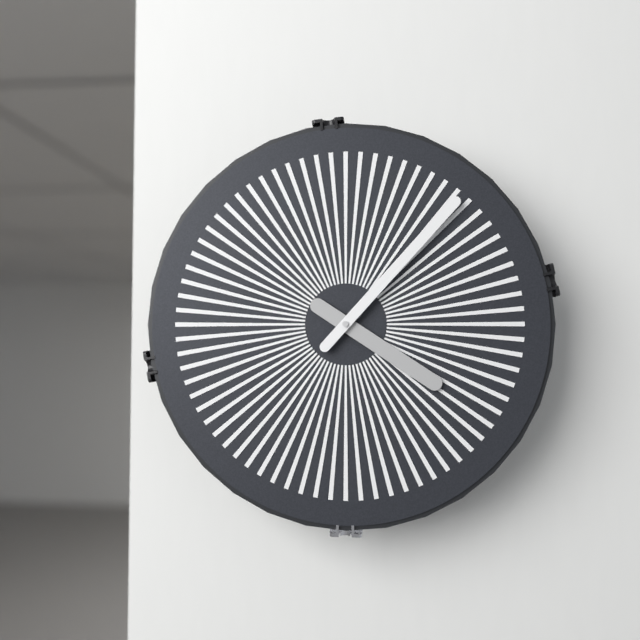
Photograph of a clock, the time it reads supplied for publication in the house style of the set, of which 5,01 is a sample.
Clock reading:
4,07
